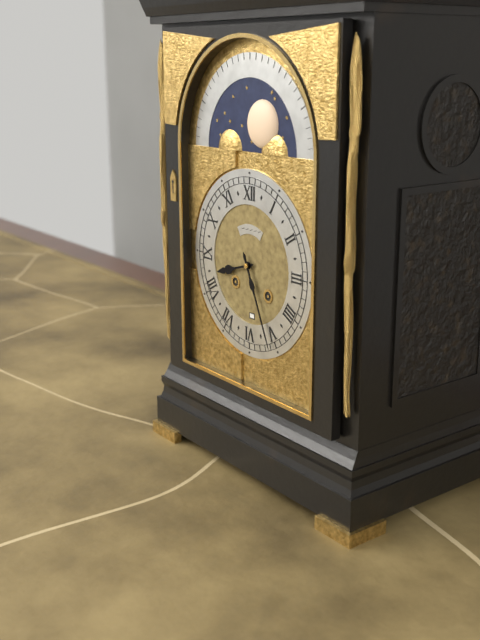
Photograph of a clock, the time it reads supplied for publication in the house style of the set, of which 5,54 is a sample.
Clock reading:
8,26
